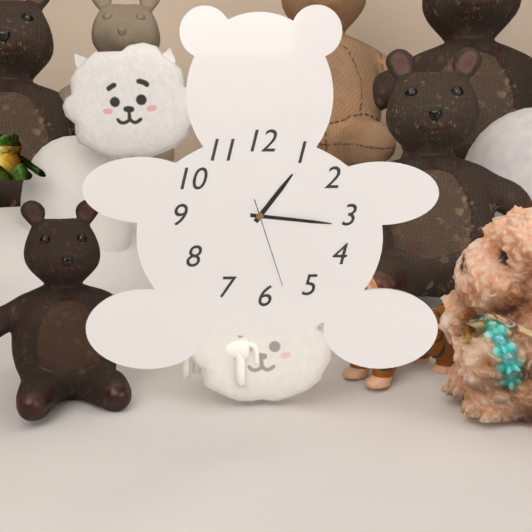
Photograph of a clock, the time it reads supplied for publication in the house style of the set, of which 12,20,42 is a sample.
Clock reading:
1,16,27
